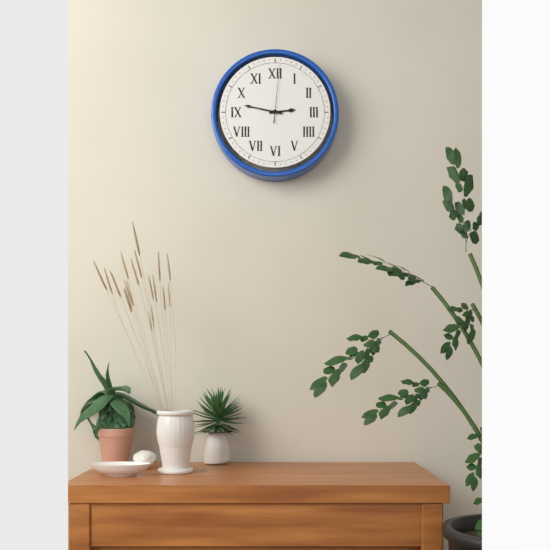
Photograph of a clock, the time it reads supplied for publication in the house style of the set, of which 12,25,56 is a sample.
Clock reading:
2,47,01
